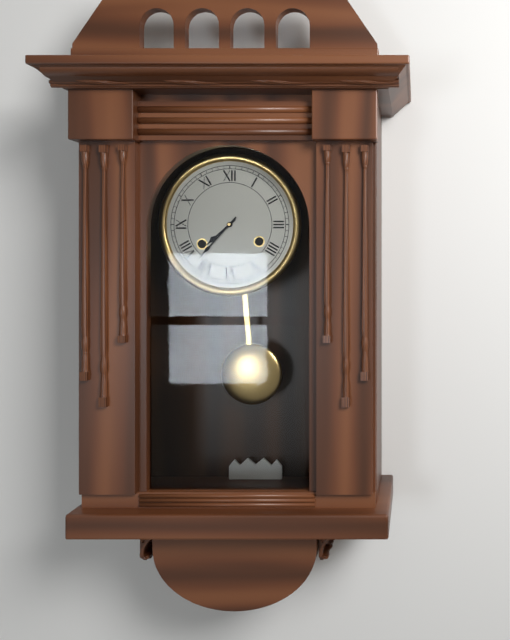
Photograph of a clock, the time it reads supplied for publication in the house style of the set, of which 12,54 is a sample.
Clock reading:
7,37
